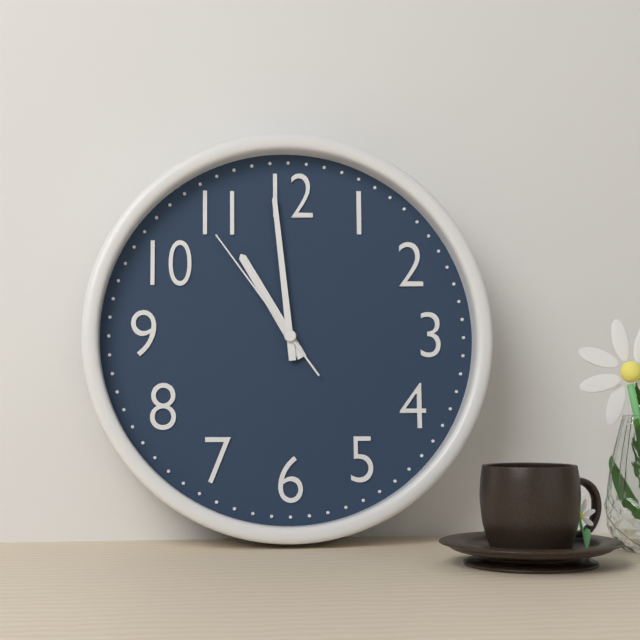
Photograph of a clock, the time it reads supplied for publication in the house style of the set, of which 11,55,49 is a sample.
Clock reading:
10,59,54
